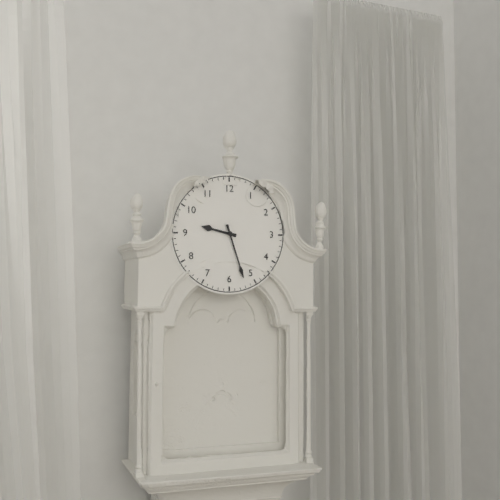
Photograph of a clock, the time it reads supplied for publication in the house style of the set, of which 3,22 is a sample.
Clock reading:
9,27
